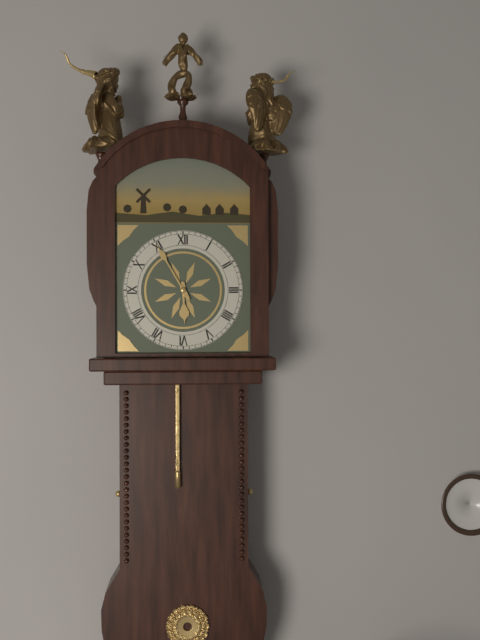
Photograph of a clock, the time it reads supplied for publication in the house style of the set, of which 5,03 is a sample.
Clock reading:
5,55
